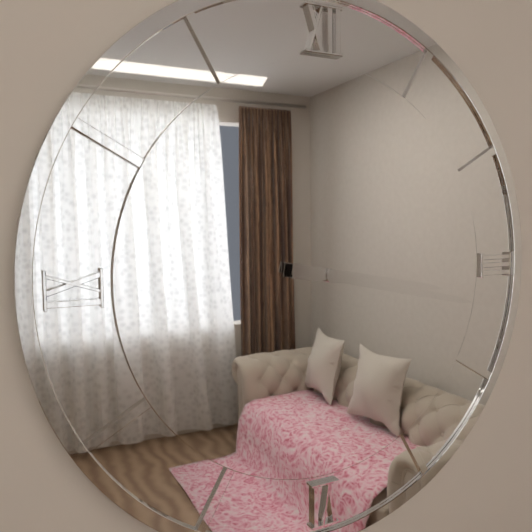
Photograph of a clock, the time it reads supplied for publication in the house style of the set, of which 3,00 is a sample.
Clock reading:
3,17
